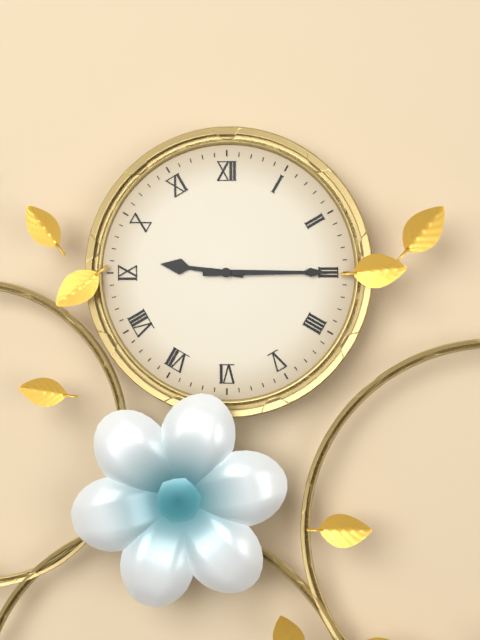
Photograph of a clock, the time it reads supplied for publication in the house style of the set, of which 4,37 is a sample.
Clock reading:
9,15
